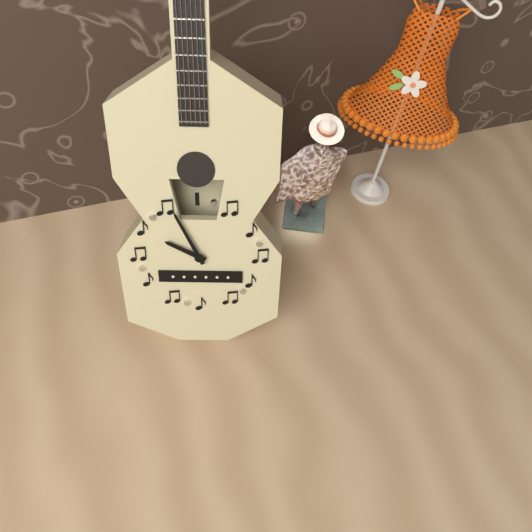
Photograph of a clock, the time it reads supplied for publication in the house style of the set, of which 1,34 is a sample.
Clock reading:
9,56
